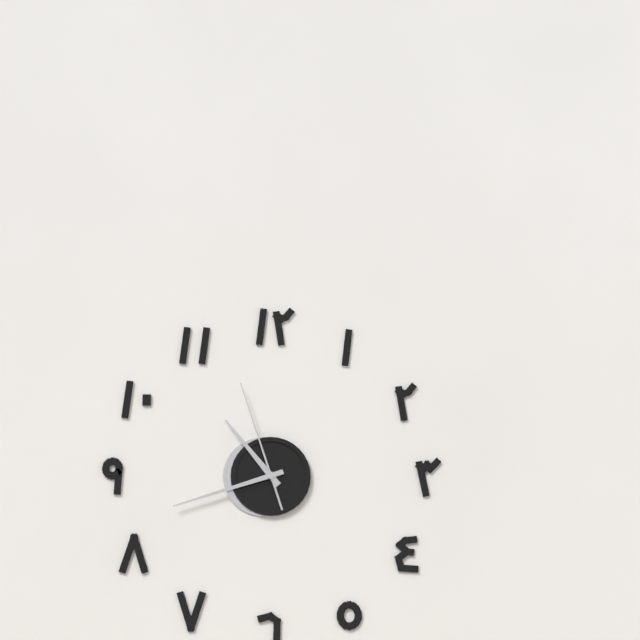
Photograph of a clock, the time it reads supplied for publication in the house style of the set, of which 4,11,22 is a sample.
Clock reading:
10,42,57
